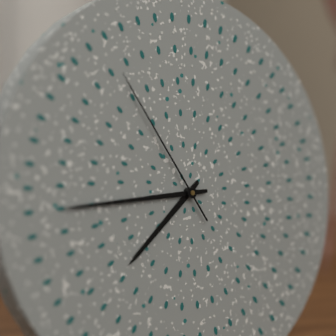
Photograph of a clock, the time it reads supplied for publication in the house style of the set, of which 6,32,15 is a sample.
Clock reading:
7,45,55
